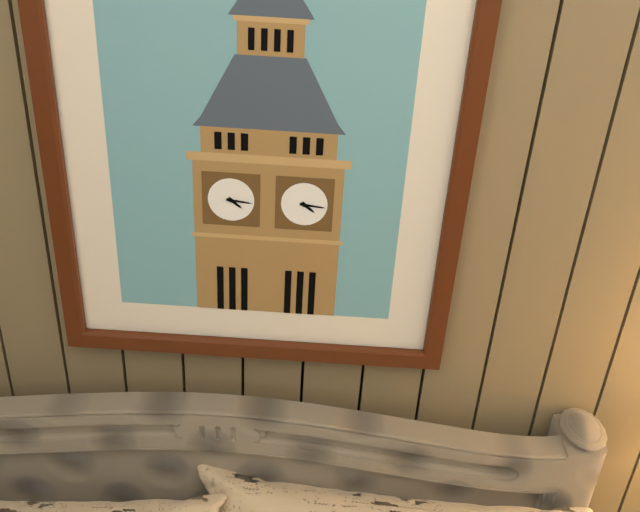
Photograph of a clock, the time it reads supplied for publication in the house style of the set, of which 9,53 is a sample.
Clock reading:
4,16
